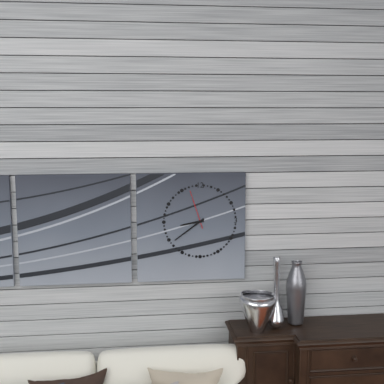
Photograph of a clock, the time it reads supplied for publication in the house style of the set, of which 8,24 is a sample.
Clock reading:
8,39
